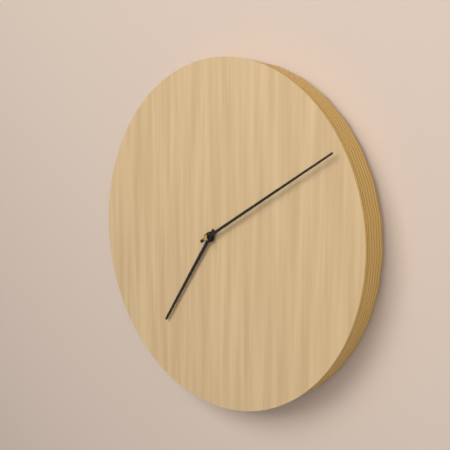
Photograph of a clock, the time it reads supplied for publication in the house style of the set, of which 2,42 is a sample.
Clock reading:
7,10
